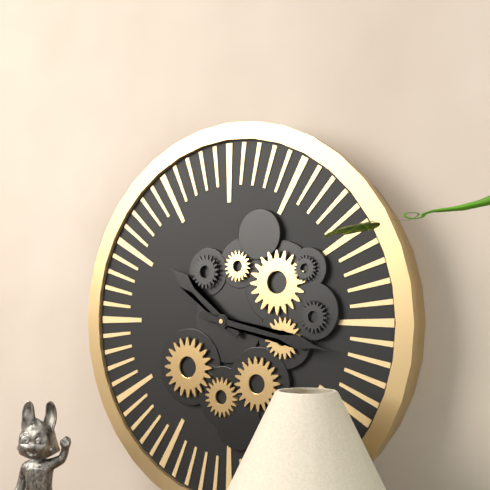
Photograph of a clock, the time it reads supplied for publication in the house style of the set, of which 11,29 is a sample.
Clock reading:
10,17
